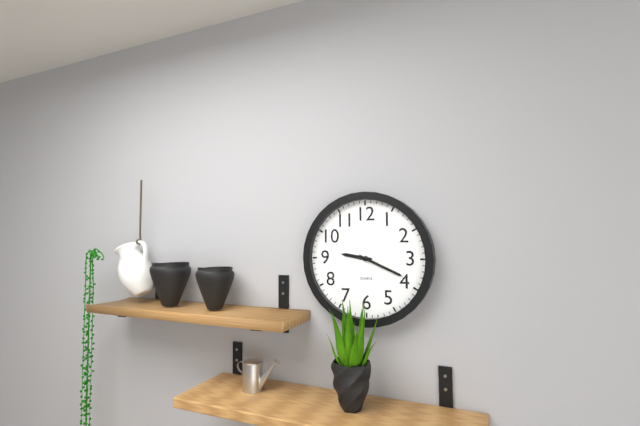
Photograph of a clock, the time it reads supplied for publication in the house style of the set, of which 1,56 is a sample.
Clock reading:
9,19
